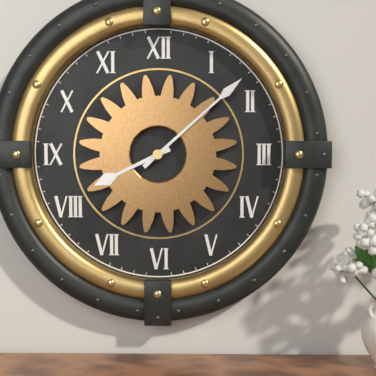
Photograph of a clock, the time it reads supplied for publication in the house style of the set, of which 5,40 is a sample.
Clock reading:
8,08
